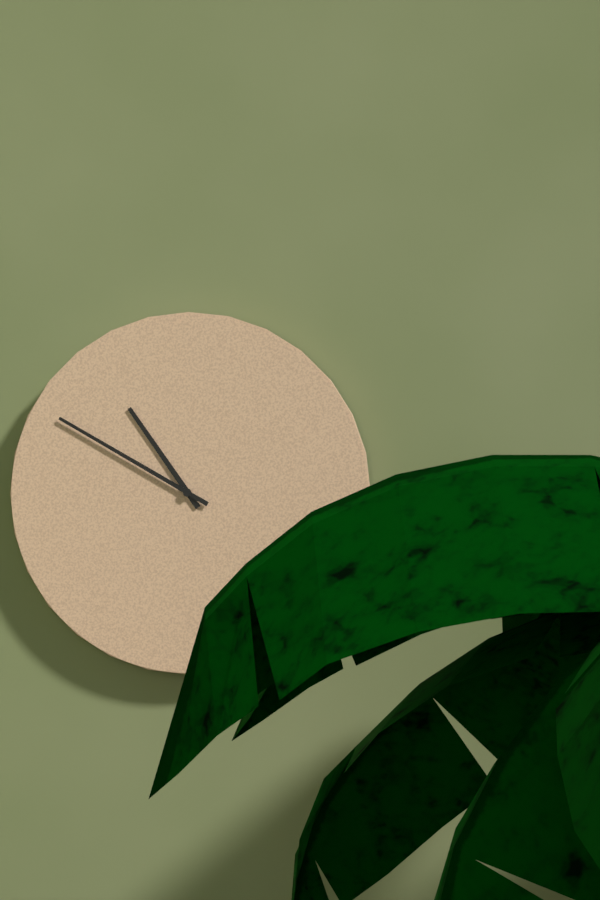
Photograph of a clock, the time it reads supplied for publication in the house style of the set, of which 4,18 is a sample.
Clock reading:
10,50
